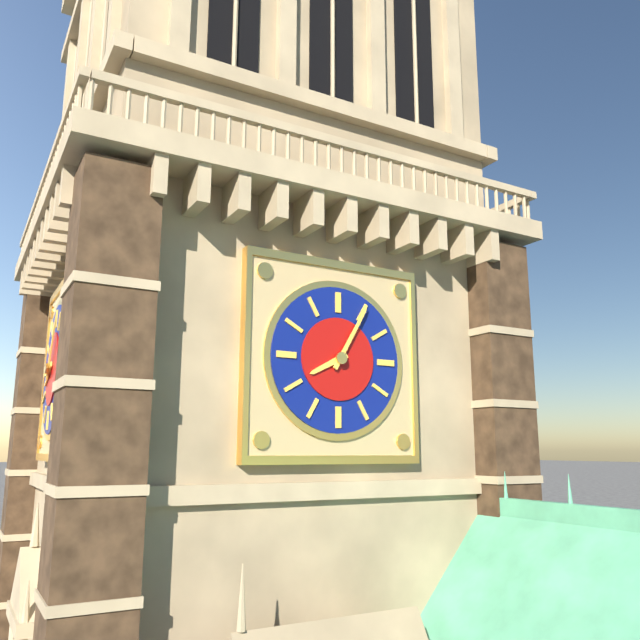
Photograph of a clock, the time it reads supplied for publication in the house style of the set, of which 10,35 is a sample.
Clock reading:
8,05
